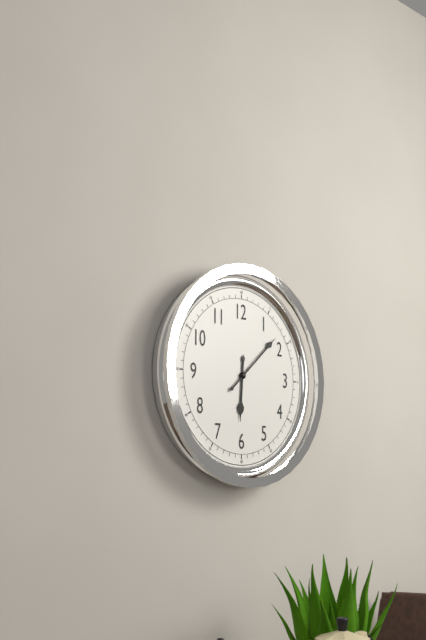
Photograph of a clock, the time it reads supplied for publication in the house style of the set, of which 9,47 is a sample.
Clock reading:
6,08
